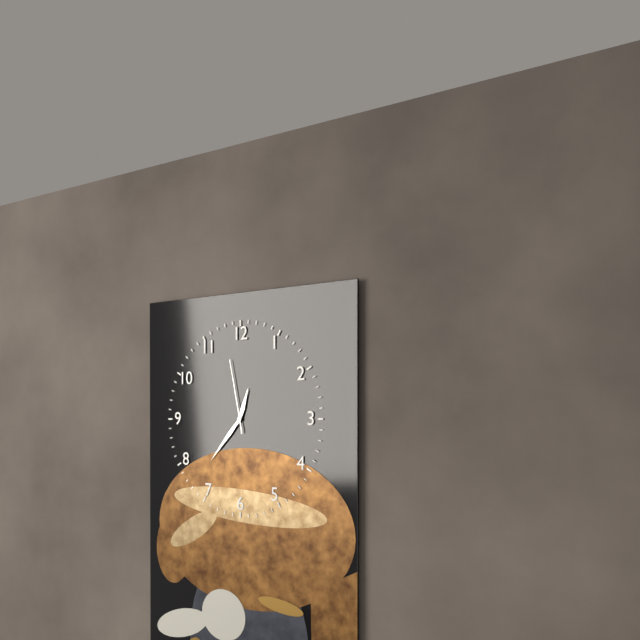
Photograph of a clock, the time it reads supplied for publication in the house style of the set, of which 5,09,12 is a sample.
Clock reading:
12,37,58
